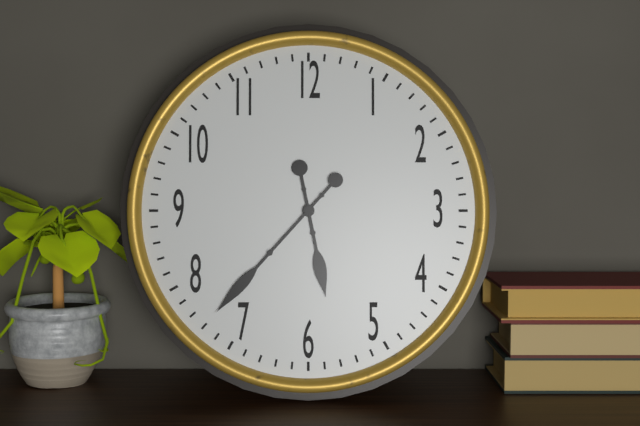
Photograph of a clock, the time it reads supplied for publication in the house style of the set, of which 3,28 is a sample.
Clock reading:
5,37
